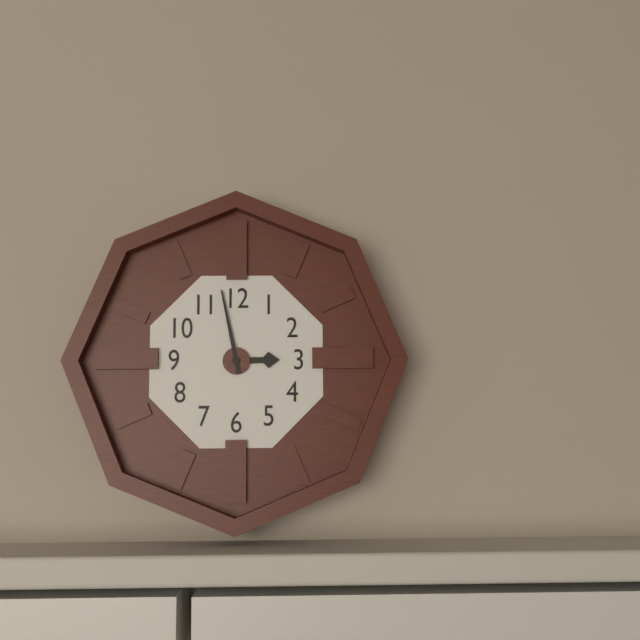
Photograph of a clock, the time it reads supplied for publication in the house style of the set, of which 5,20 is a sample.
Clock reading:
2,58
